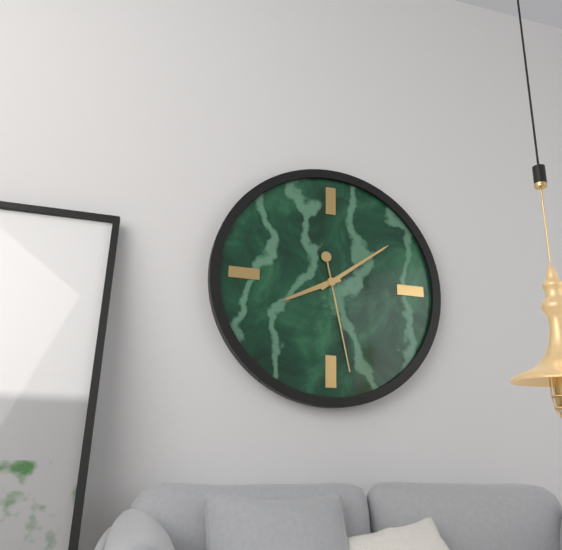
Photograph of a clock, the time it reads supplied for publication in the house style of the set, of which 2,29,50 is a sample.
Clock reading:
8,09,28
